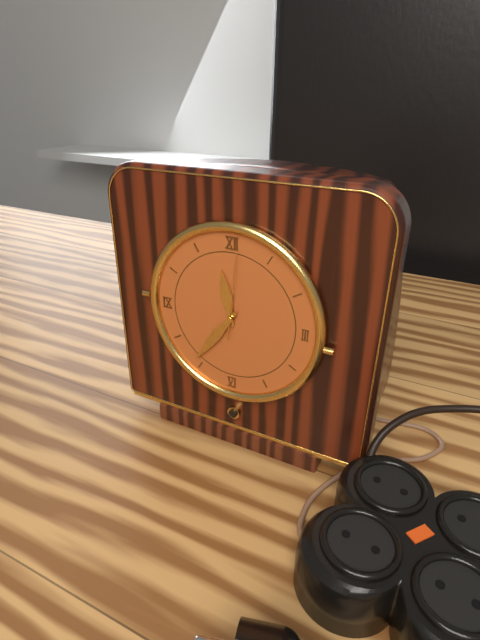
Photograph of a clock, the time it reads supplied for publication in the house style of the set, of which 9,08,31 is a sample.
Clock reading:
11,36,01
